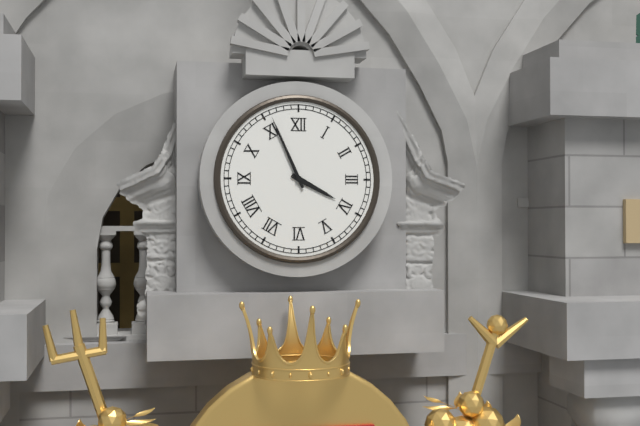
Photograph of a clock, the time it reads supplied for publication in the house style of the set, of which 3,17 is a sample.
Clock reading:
3,56
